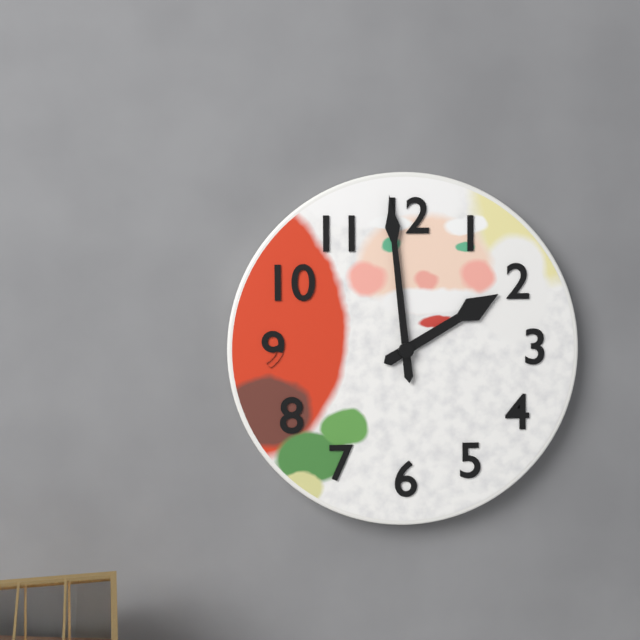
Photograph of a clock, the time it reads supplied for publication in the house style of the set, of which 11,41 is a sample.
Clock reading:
1,59
